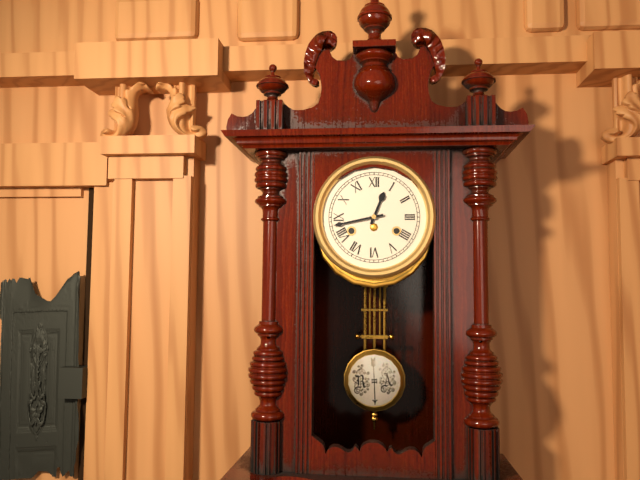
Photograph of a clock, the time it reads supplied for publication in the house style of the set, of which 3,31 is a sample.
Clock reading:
12,43
